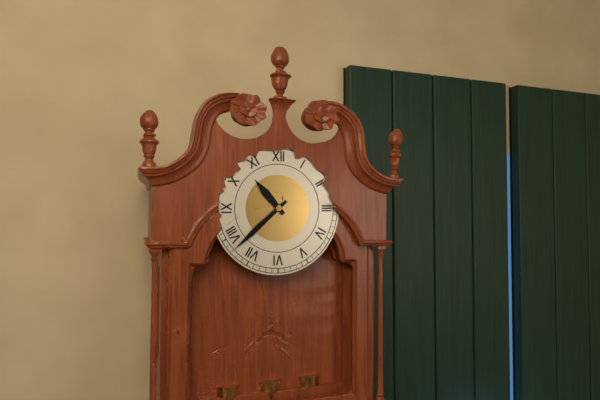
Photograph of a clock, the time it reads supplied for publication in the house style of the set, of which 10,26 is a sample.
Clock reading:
10,38
